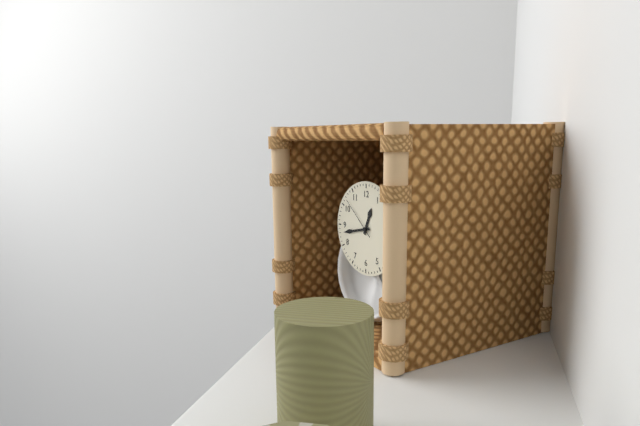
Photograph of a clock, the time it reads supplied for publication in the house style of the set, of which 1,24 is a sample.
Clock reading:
12,43
